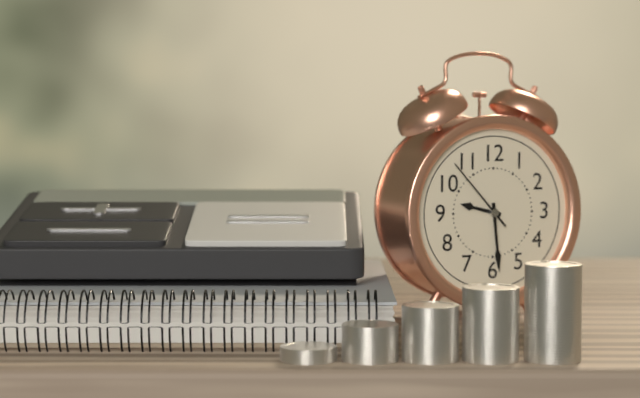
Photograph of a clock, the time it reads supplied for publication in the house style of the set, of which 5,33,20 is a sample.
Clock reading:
9,29,53
